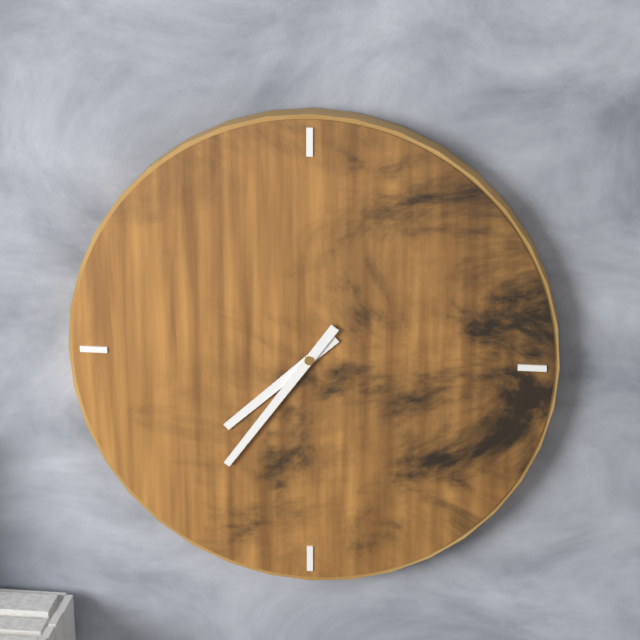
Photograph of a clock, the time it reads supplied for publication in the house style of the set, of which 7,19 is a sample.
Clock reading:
7,36
